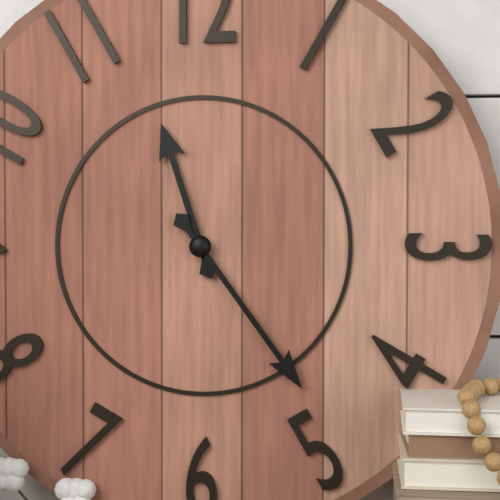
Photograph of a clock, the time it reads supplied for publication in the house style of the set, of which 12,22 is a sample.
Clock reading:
11,24
